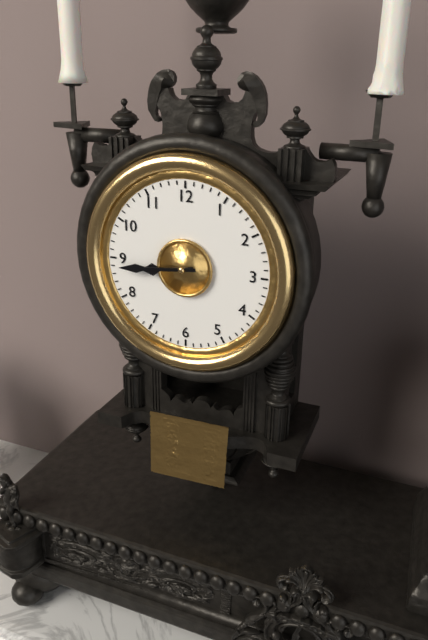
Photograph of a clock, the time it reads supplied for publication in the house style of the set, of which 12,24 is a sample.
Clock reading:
8,44
